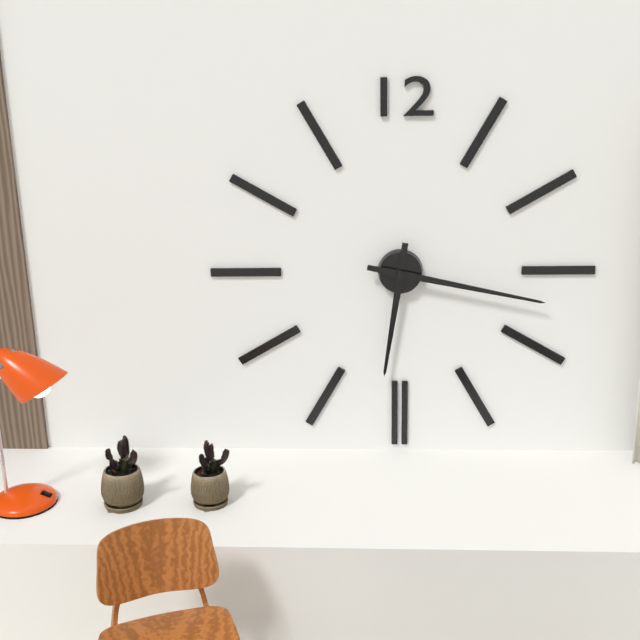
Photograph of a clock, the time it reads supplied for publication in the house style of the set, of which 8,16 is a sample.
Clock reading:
6,17
